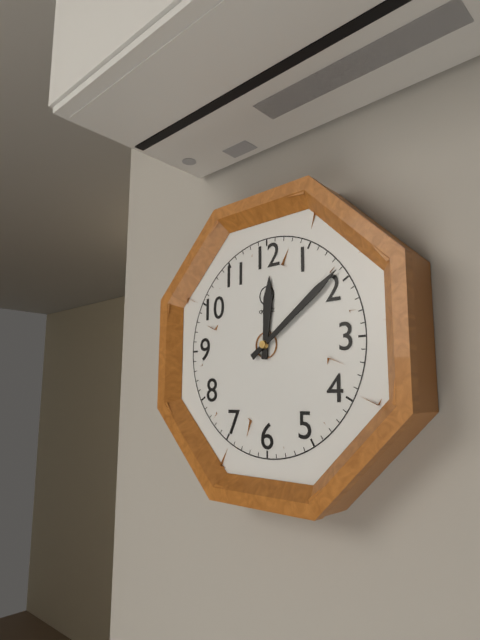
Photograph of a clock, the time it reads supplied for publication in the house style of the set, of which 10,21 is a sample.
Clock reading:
12,09
